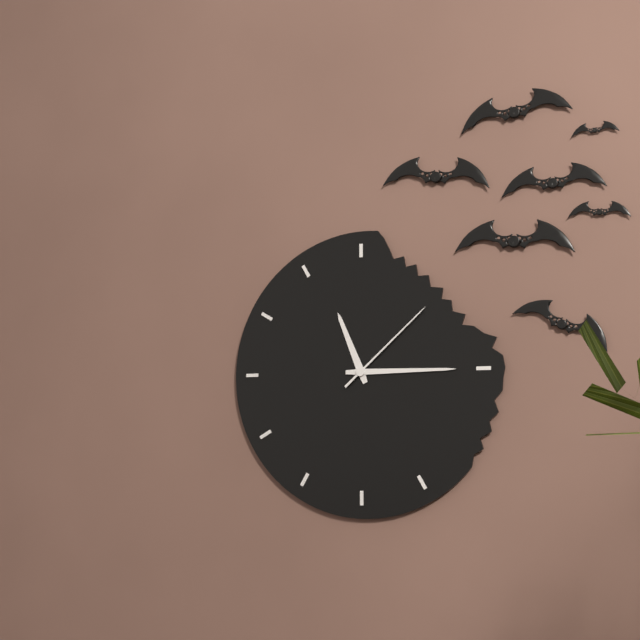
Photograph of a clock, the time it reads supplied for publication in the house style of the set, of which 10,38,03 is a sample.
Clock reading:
11,15,08
